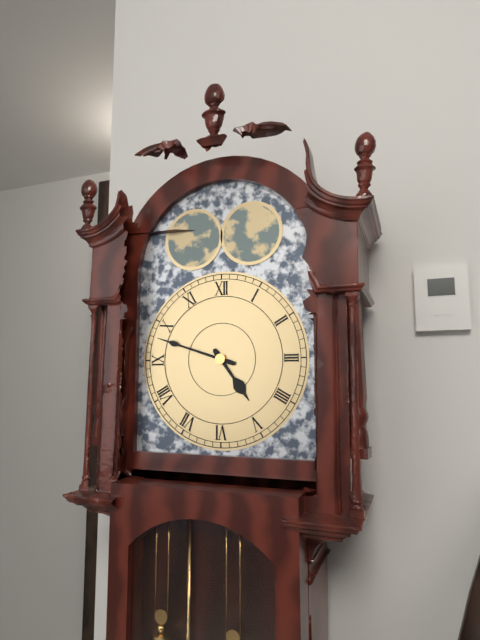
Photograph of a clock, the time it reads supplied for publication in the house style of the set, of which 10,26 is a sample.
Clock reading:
4,48
